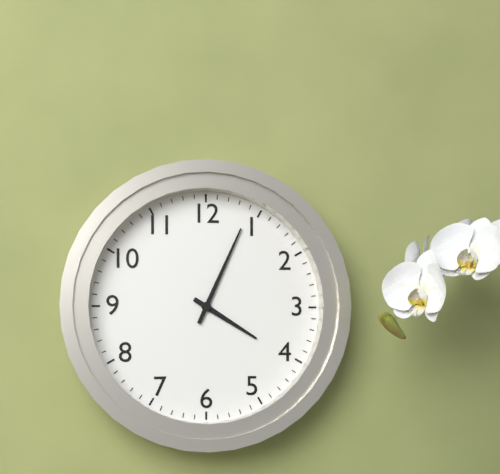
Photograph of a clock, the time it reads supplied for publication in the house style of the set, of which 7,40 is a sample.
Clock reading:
4,04
